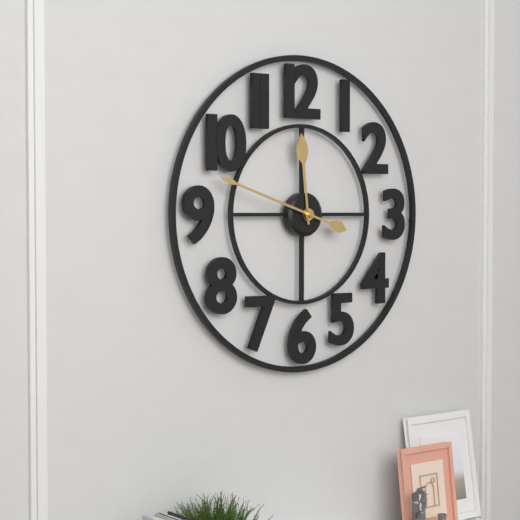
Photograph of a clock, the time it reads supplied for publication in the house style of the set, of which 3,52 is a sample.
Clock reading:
11,48
